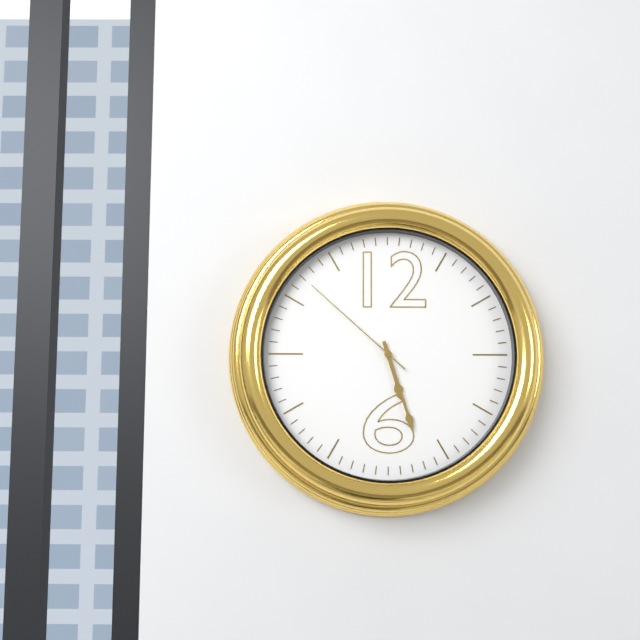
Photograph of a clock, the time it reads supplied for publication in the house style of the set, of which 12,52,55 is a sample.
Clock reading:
5,27,52
